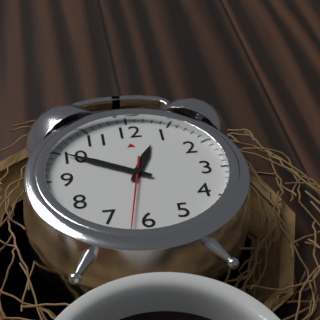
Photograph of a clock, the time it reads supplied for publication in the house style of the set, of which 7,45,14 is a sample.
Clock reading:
12,50,32
